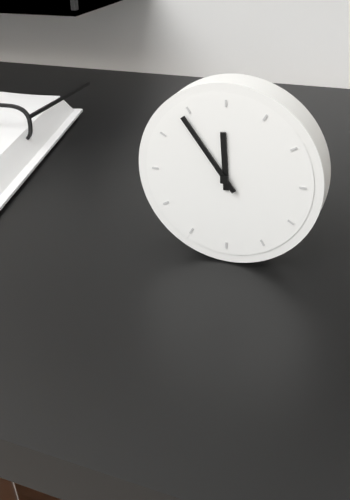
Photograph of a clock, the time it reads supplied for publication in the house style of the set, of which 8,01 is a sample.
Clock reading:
11,54
